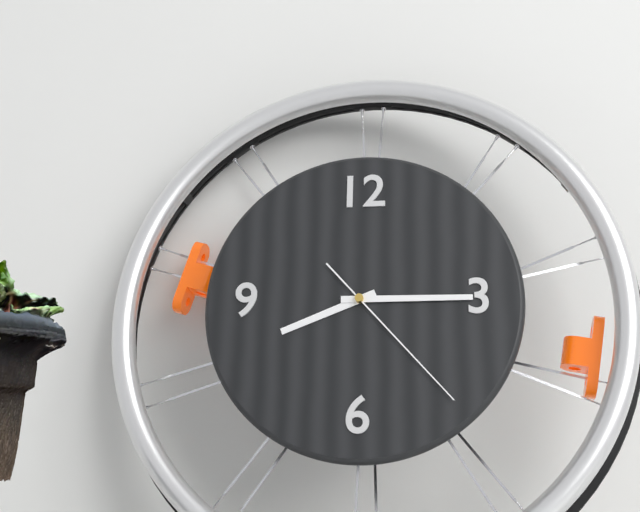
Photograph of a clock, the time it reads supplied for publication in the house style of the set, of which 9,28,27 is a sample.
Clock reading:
8,15,23
